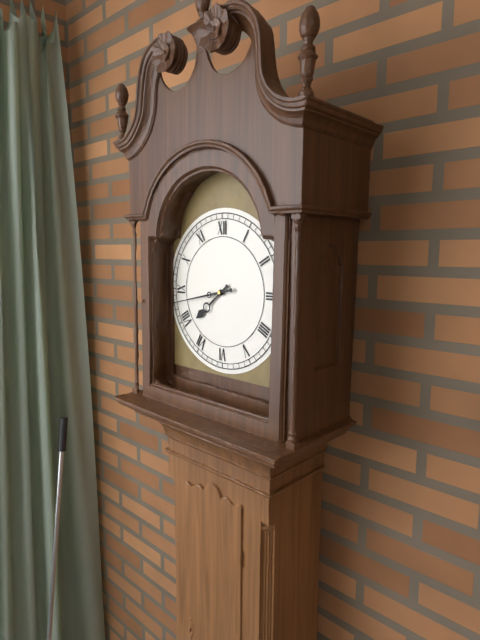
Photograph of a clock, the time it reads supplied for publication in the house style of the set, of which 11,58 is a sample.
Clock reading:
7,43
